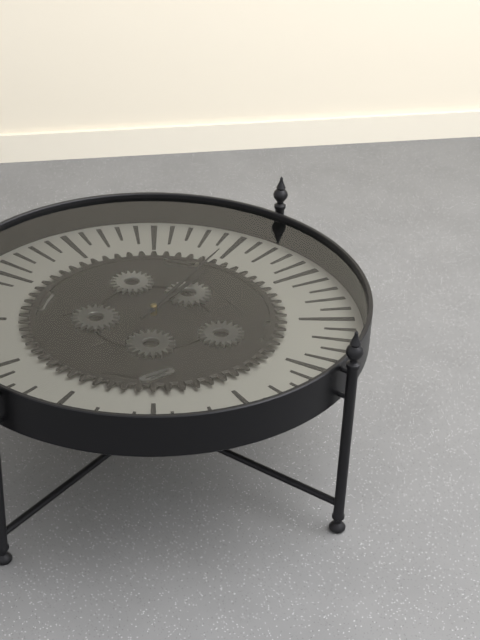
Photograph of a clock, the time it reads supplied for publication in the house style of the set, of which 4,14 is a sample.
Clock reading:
2,10
